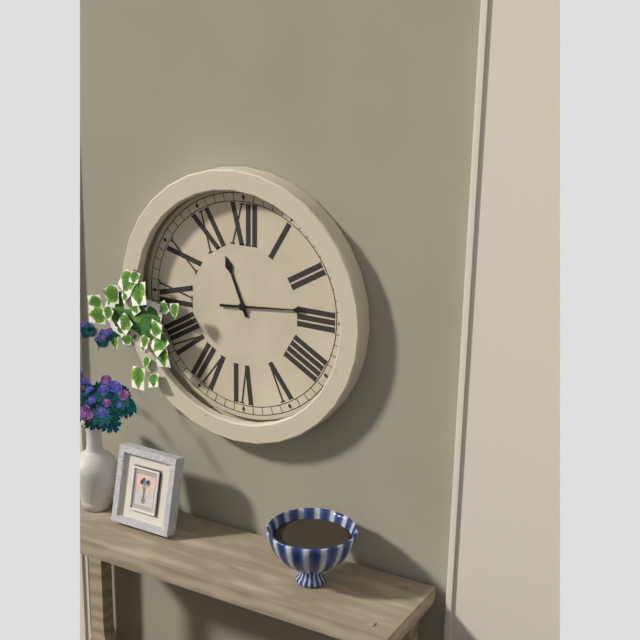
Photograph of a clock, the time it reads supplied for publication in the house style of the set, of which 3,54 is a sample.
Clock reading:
11,14
